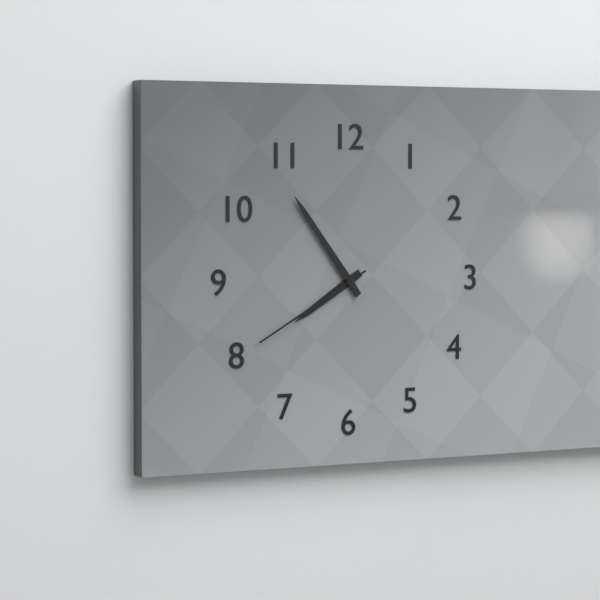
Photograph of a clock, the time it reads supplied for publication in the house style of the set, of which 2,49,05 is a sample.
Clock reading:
7,54,40
